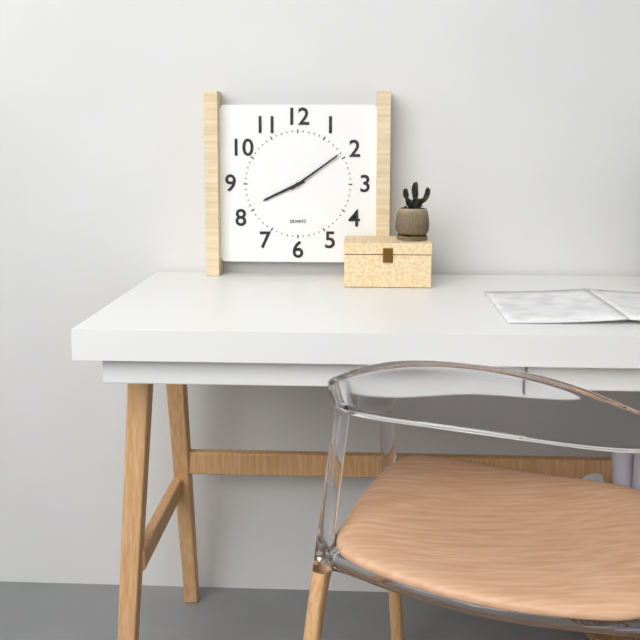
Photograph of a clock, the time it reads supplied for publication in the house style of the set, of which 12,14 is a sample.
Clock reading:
8,09
